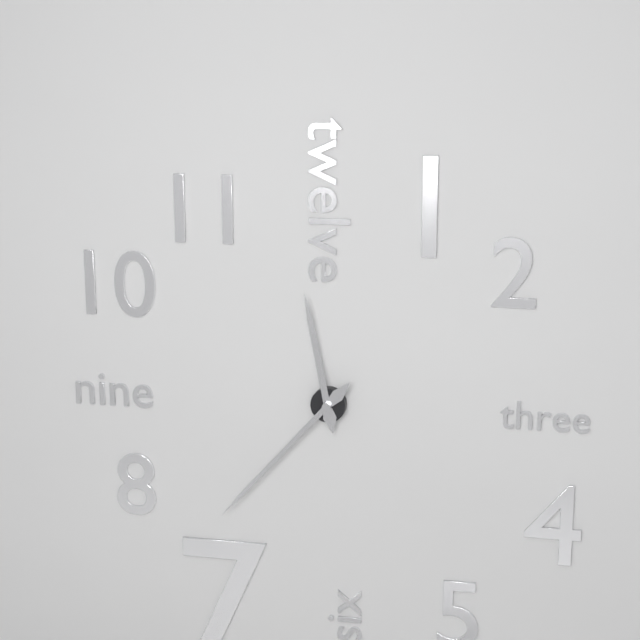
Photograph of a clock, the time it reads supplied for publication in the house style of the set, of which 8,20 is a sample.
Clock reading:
11,37
